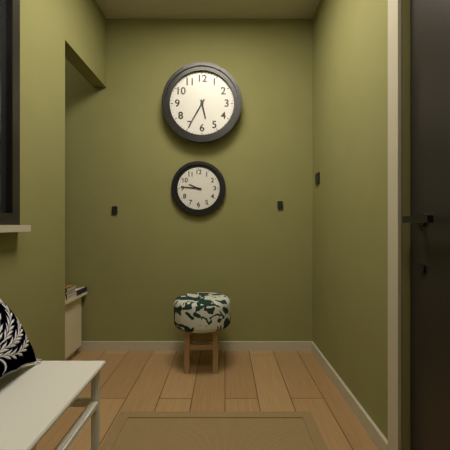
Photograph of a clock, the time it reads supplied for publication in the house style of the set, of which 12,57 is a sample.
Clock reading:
5,35
